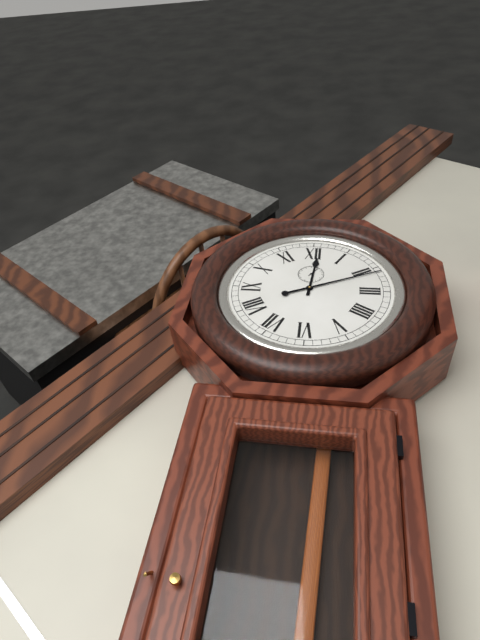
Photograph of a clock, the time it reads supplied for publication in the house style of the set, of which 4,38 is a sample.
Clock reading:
12,11
